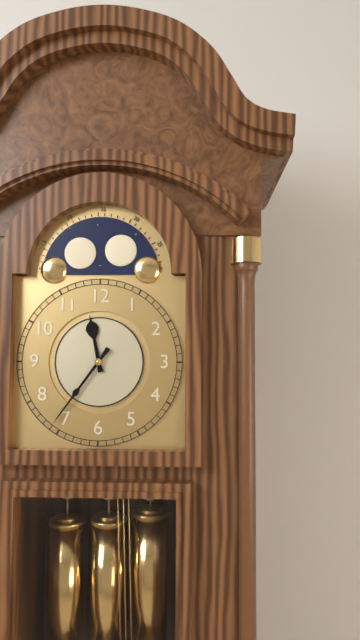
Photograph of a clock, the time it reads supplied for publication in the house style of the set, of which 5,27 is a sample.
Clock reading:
11,36
